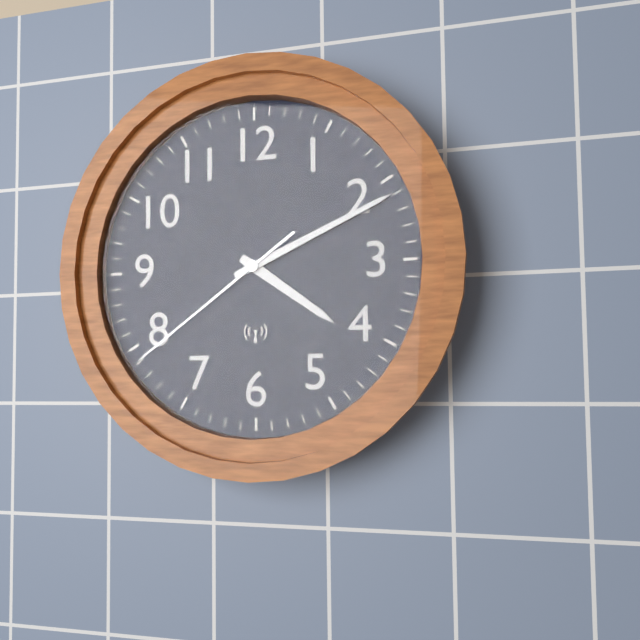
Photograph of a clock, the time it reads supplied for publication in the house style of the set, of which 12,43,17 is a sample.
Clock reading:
4,11,39
